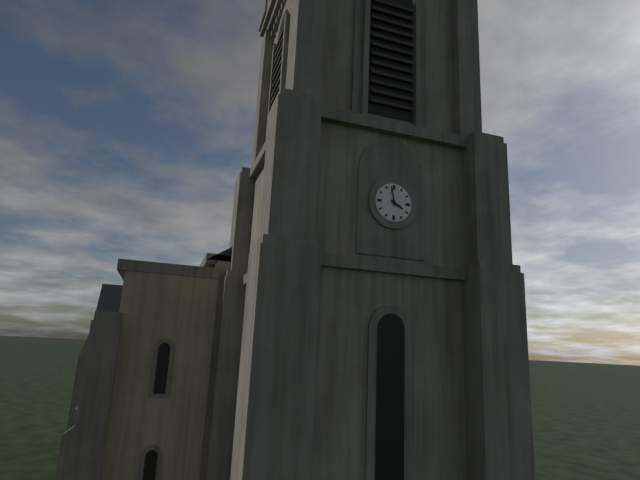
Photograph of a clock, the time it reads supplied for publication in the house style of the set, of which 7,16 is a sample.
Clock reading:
3,58
